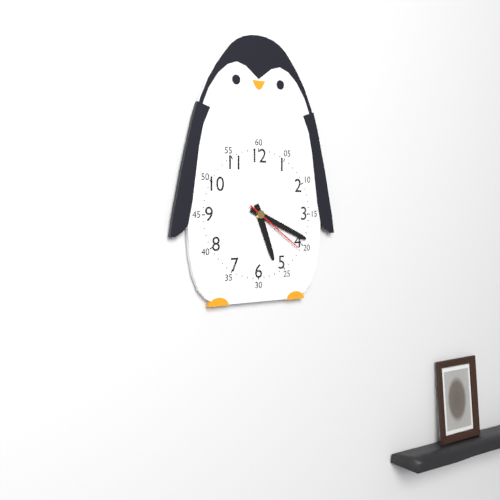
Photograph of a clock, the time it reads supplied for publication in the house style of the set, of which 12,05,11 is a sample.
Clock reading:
5,19,21
